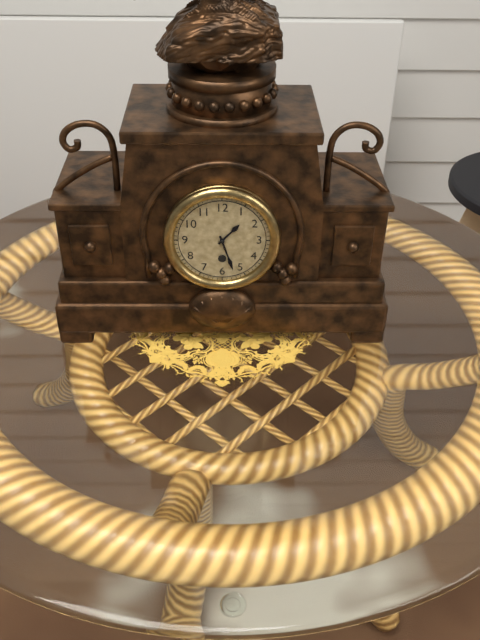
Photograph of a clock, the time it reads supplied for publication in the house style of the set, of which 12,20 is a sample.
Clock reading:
1,27
